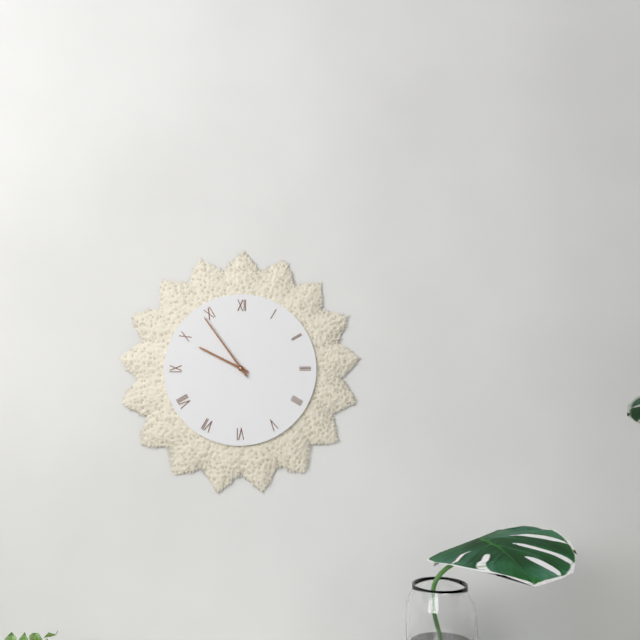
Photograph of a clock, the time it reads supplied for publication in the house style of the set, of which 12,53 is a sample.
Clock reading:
9,54
